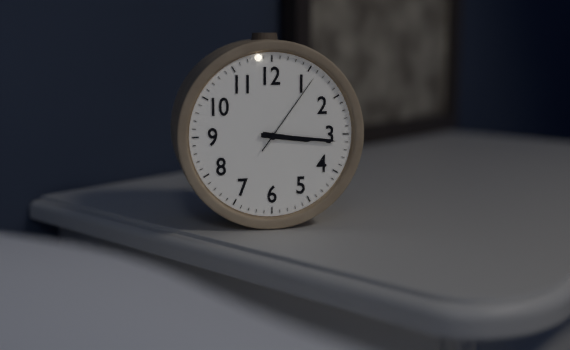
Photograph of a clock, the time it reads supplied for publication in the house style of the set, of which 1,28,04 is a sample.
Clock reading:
3,16,06
